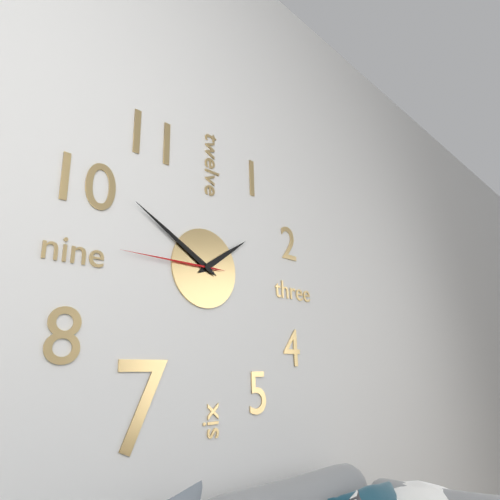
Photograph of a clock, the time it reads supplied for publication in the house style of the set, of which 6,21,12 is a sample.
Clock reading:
1,50,45
